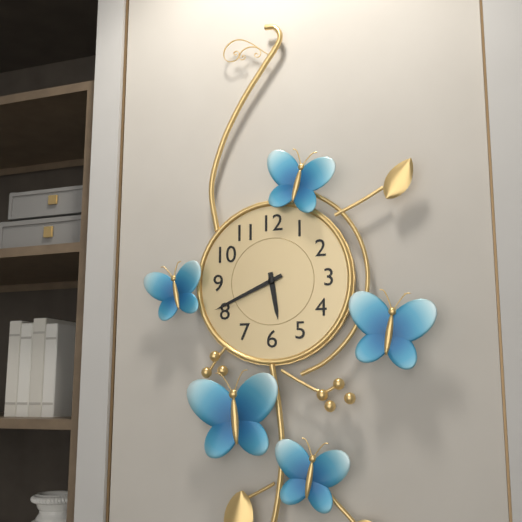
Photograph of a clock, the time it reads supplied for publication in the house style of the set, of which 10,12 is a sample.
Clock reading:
5,41
